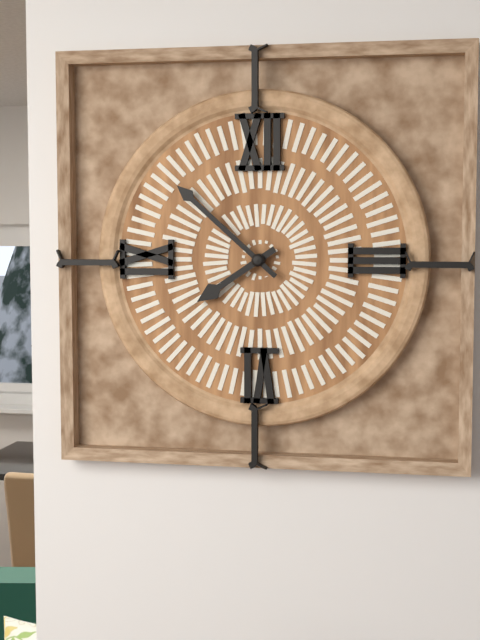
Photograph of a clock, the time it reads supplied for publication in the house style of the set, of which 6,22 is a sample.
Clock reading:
7,52
